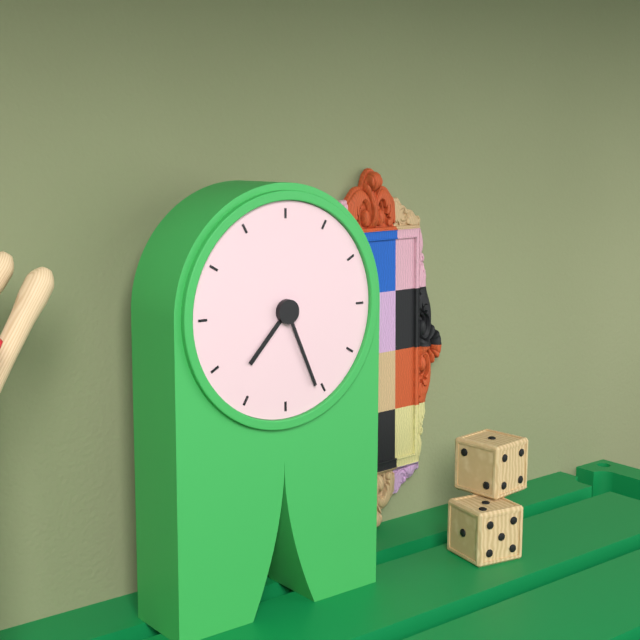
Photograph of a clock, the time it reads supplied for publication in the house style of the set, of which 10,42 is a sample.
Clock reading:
7,26
